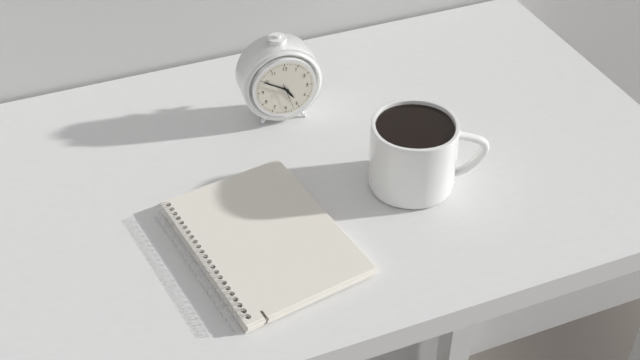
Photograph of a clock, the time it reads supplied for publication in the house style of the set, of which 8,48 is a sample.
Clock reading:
4,50
